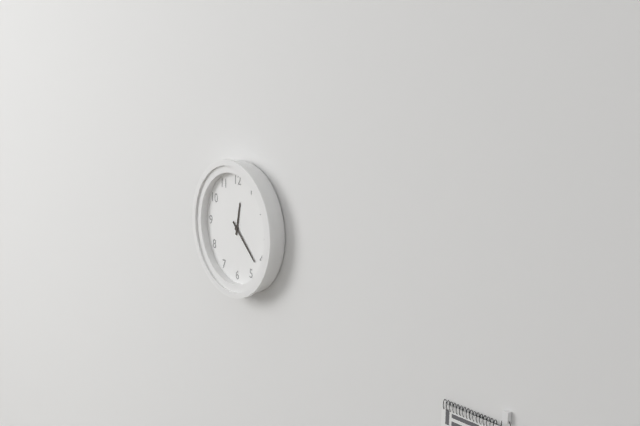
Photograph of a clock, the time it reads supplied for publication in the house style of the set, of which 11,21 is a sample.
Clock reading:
12,22
